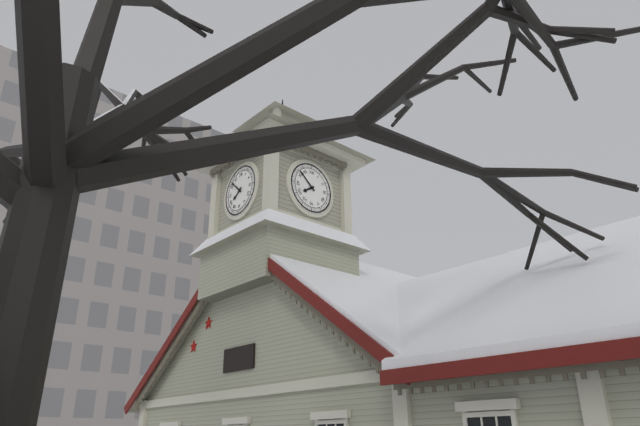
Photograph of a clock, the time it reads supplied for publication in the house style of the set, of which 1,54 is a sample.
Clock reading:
7,52
